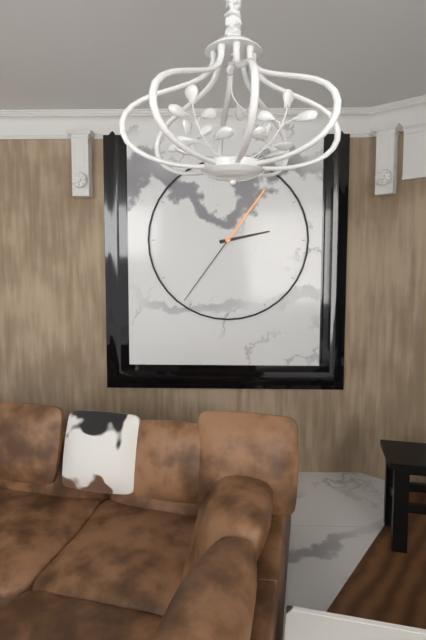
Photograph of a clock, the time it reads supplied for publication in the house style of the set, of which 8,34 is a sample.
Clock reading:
2,36
